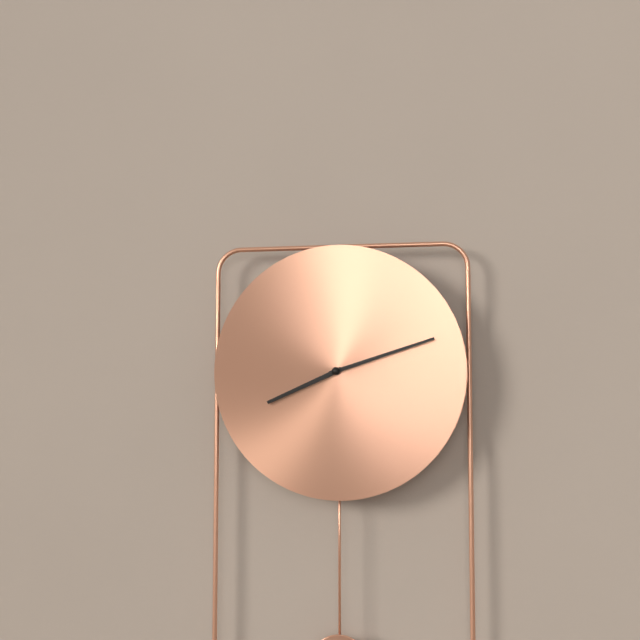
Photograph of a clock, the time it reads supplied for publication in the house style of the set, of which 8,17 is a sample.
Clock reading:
8,12
